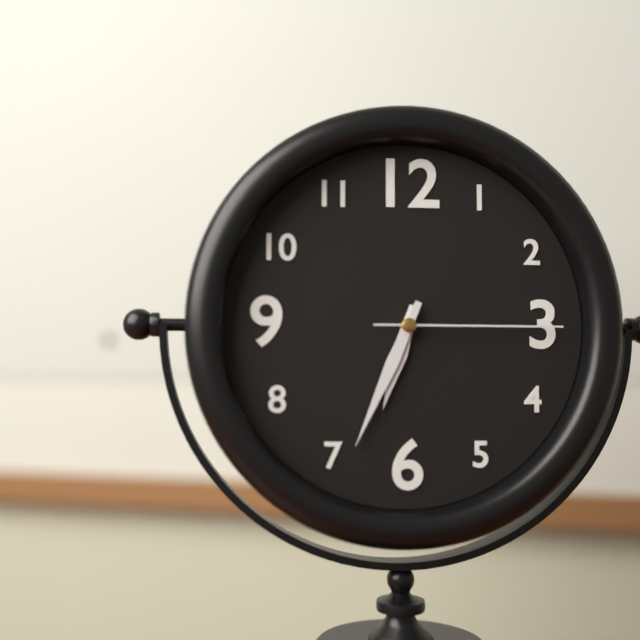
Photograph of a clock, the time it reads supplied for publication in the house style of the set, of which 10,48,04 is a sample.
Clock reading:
6,34,15
